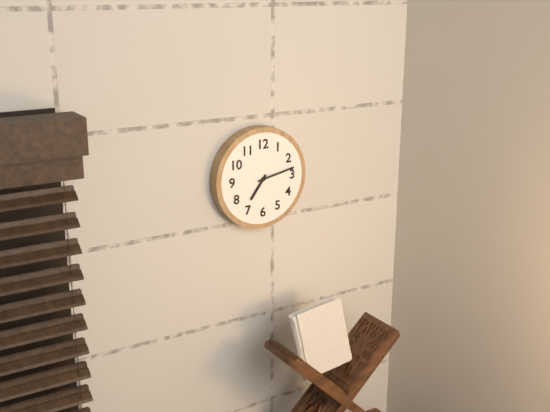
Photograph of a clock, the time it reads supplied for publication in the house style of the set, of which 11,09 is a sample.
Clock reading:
7,13
